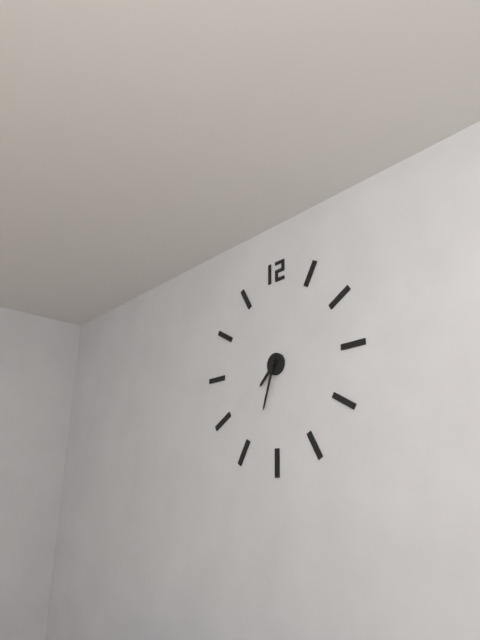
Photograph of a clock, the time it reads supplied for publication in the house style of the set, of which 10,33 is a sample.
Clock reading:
7,33
